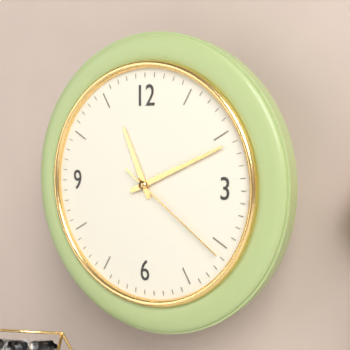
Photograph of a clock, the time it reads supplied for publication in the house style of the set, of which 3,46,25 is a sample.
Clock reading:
11,11,21
